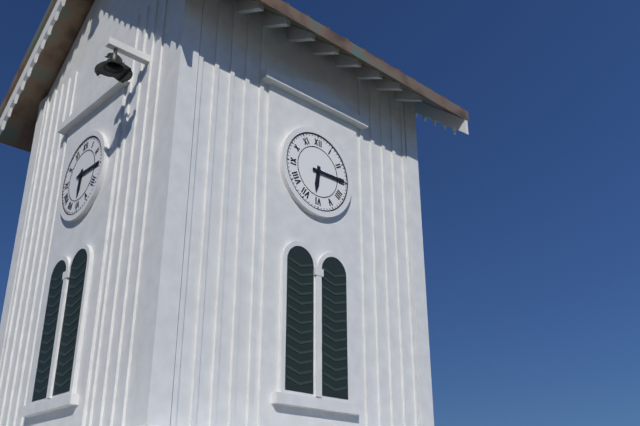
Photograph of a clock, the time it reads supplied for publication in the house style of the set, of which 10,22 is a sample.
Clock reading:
6,15
